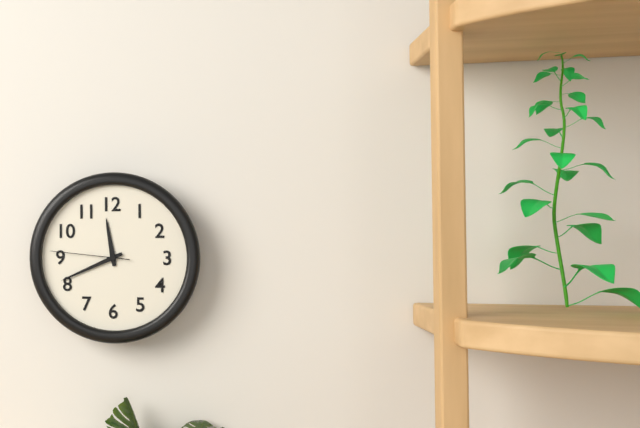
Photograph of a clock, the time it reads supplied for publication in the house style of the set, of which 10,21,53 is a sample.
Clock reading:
11,41,46
